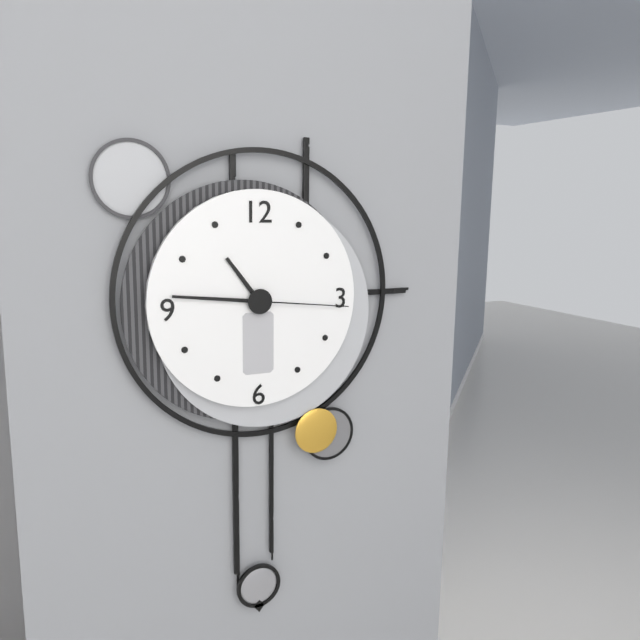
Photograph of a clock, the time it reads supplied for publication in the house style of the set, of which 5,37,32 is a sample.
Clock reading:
10,46,16
